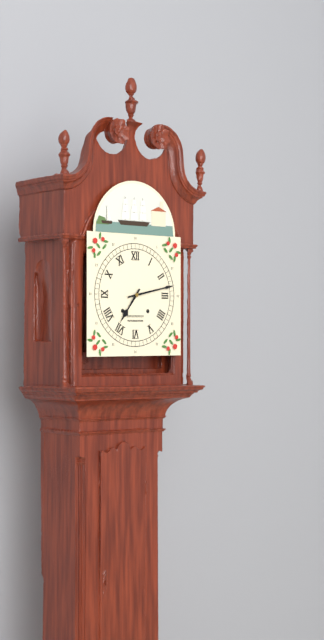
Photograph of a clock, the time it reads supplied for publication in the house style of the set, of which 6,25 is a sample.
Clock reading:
7,13
